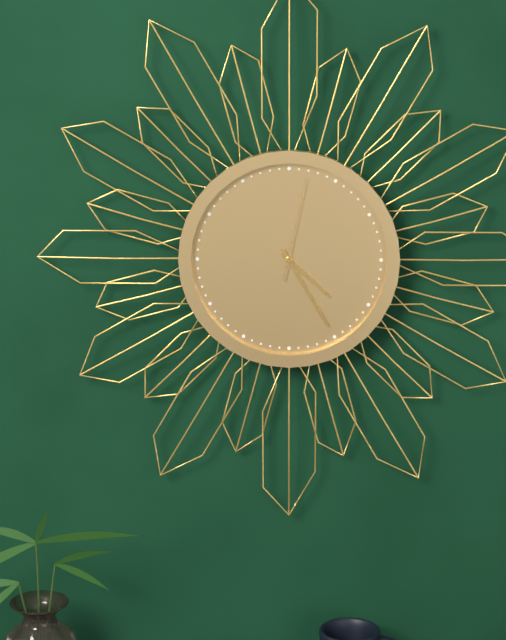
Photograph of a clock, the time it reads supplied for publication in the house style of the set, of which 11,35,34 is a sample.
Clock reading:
4,25,02
